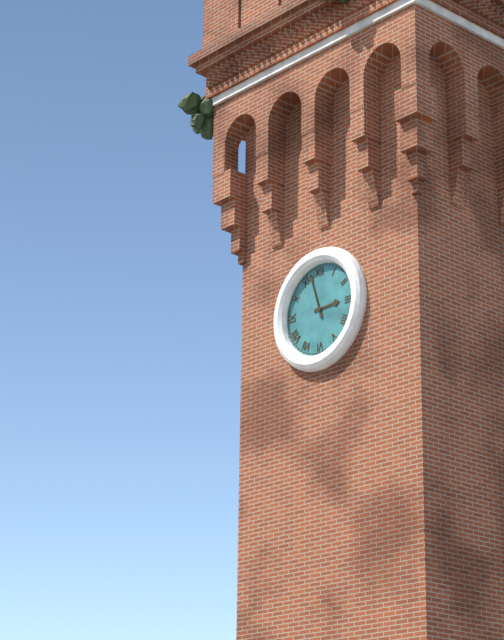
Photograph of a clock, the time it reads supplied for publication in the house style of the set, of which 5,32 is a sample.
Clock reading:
2,57
